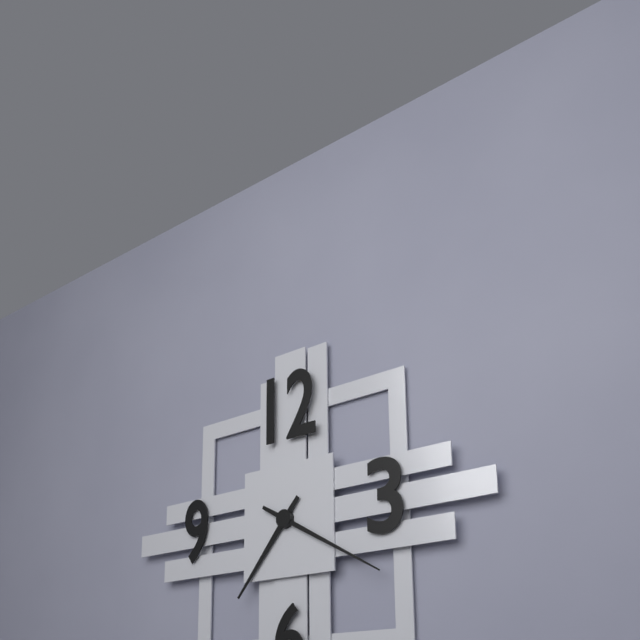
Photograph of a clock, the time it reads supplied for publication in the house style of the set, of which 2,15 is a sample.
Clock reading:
7,20
